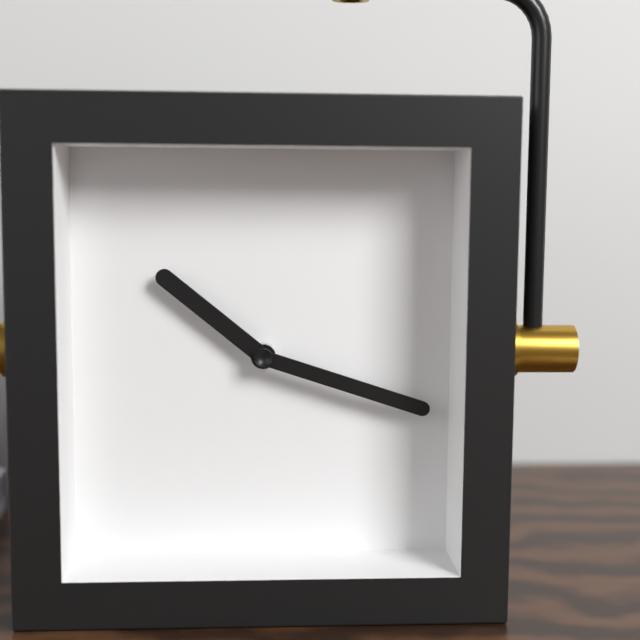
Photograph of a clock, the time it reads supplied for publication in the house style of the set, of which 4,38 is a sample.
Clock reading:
10,18
